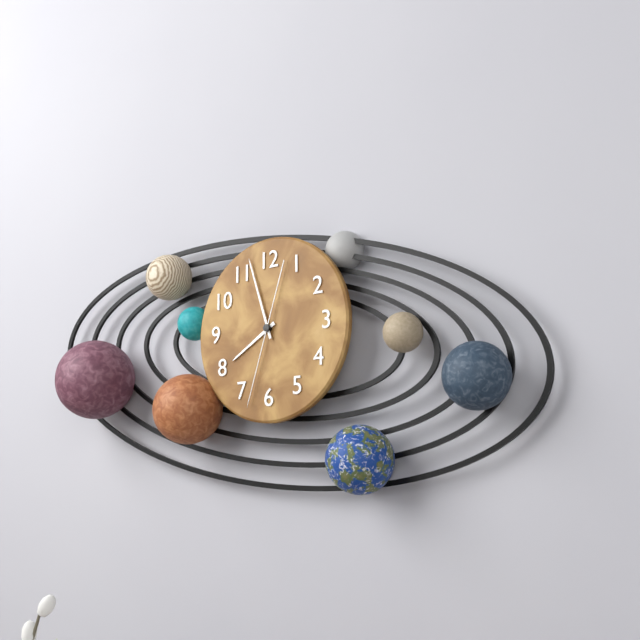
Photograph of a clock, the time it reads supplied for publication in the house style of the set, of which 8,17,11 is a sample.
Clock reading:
7,57,33
